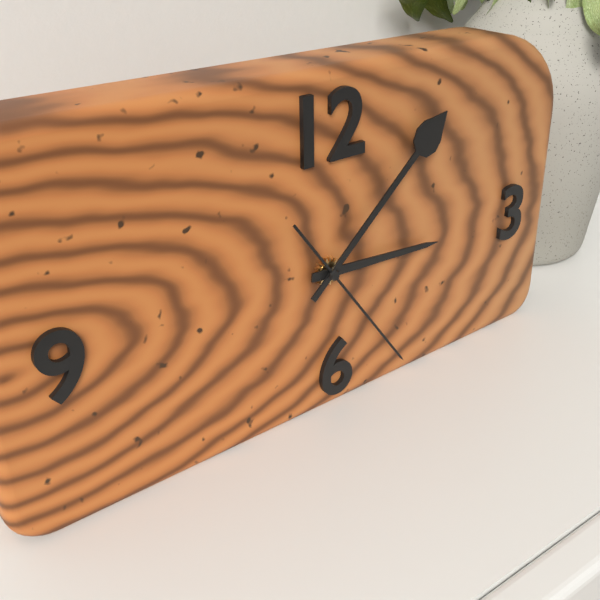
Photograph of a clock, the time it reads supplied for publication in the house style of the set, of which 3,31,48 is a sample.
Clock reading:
3,08,24
